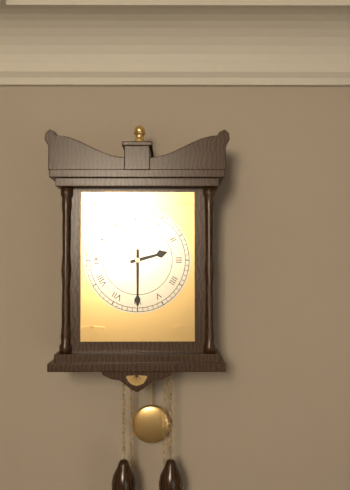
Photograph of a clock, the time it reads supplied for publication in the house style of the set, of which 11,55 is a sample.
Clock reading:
2,30
